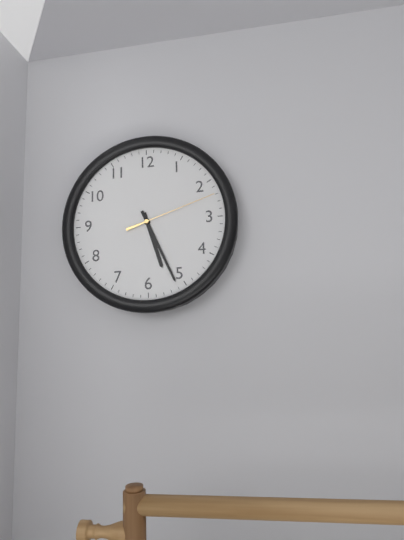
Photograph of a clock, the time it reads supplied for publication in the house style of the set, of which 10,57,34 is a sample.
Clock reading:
5,26,12
